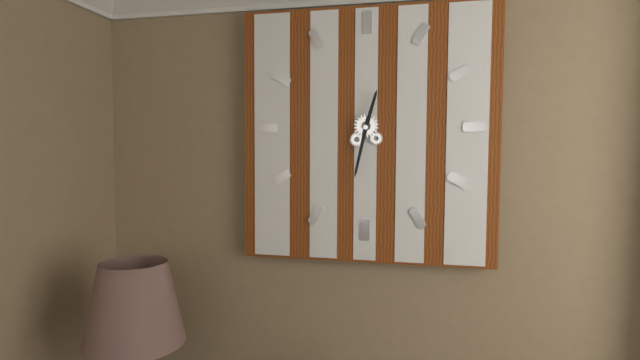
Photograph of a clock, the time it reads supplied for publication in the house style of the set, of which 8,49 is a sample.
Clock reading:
12,32
